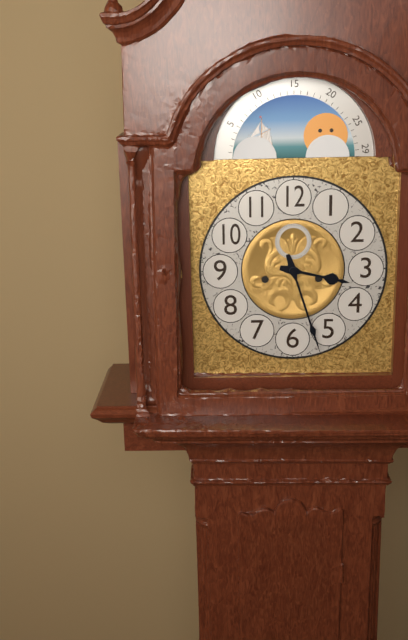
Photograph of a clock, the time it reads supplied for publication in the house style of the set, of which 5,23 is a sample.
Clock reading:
3,27
